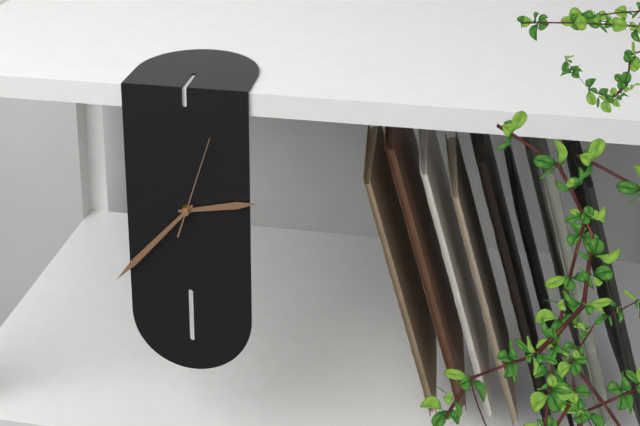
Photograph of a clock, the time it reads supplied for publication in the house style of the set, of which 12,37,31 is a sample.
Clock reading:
2,37,03
